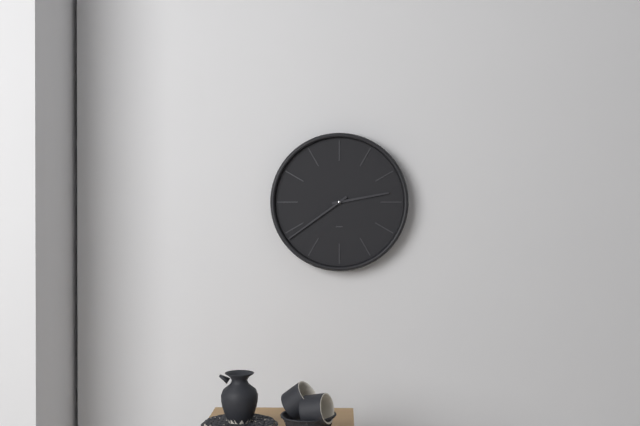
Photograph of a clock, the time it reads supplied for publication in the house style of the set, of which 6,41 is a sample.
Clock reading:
2,39
